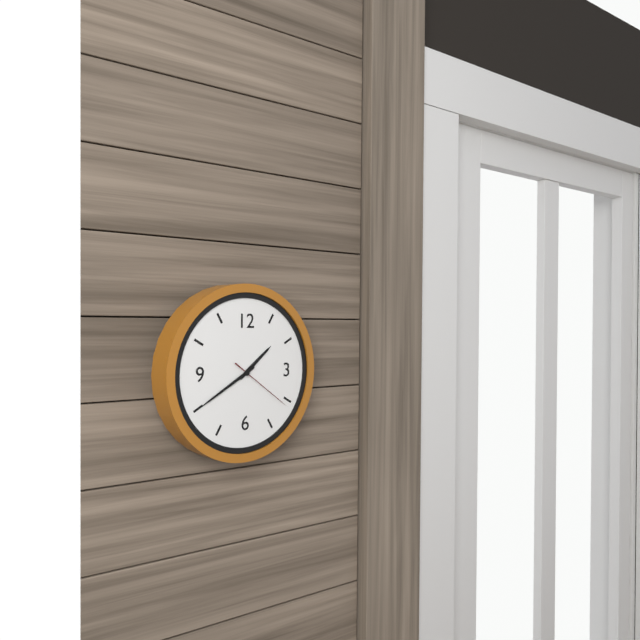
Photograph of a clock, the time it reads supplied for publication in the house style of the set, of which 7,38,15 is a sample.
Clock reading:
1,40,21
